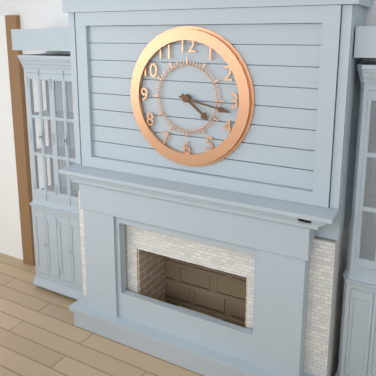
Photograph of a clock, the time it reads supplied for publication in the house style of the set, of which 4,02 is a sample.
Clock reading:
4,17
